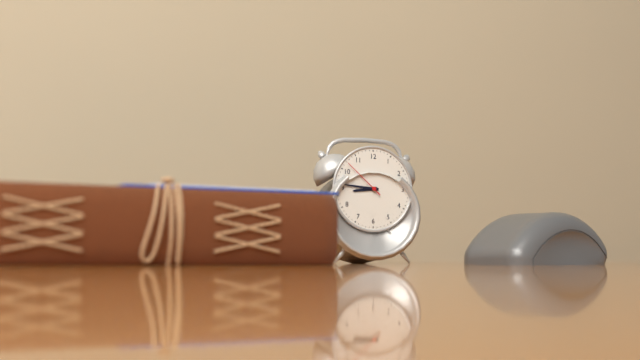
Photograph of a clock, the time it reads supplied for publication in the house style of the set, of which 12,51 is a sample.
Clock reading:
8,46
